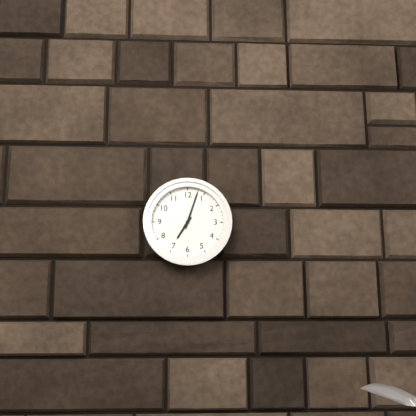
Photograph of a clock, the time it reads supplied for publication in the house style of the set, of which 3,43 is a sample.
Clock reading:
7,03
